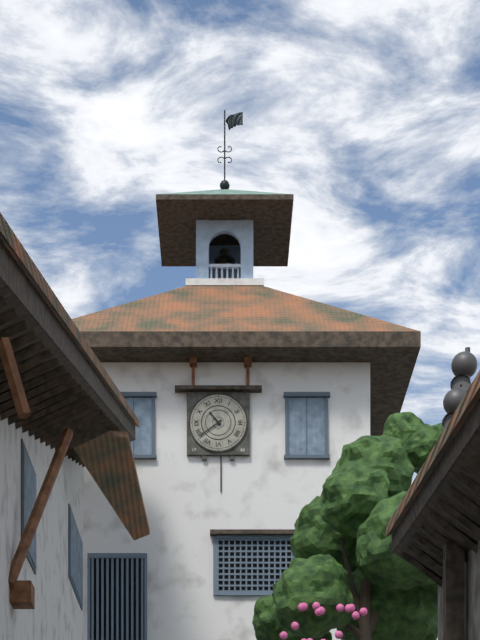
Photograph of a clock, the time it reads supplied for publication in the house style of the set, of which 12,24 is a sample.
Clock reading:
10,39
